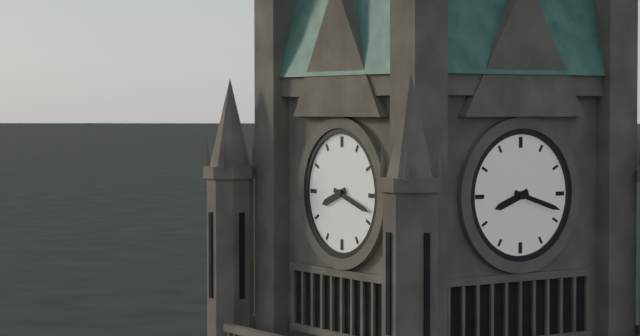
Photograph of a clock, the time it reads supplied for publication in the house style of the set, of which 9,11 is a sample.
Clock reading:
8,18
